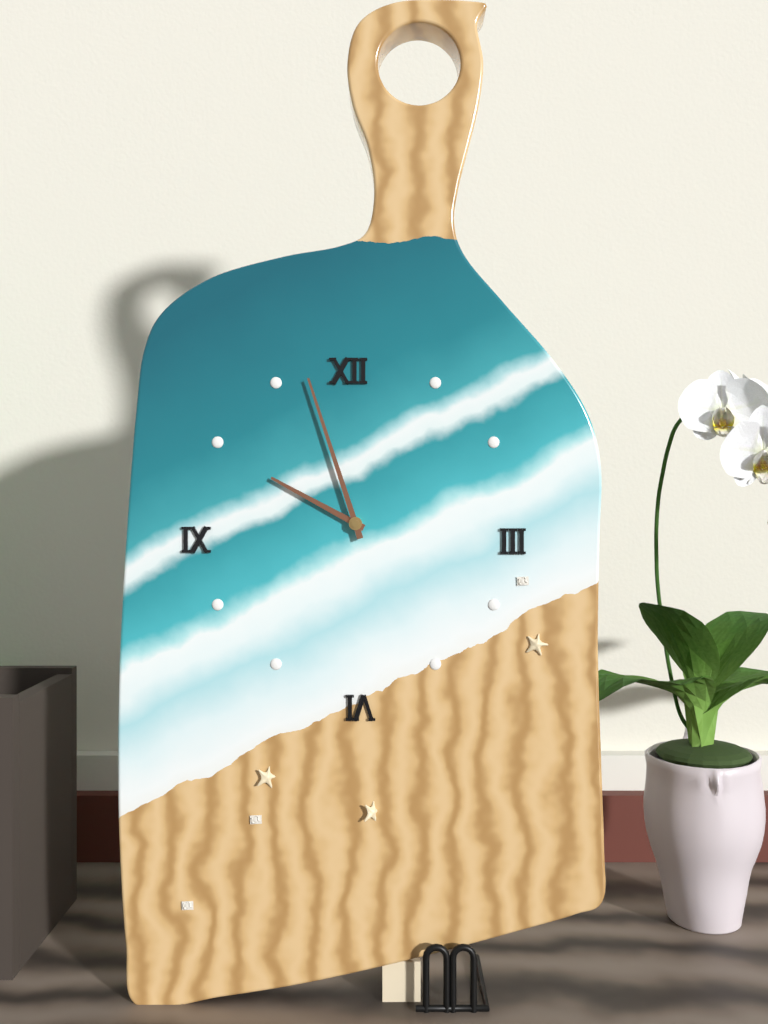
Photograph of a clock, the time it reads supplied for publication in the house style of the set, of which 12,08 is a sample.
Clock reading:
9,57
